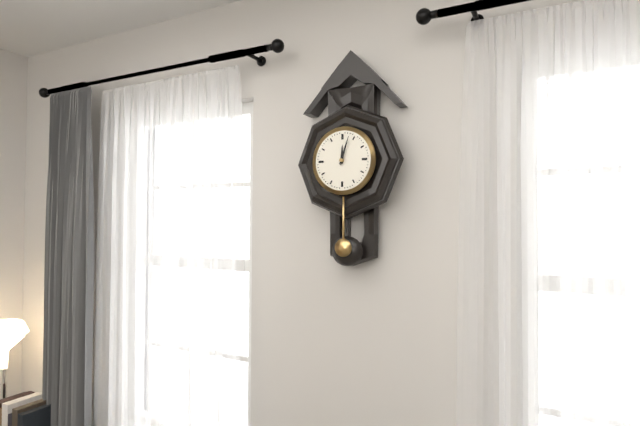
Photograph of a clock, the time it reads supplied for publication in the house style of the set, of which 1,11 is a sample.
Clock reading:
12,03
